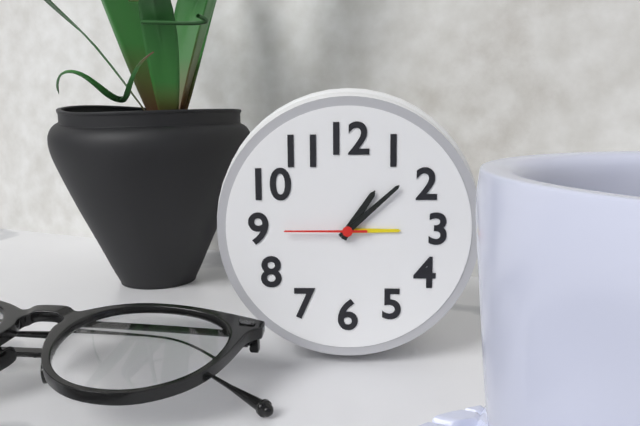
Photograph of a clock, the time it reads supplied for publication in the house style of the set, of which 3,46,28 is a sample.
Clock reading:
1,08,45
